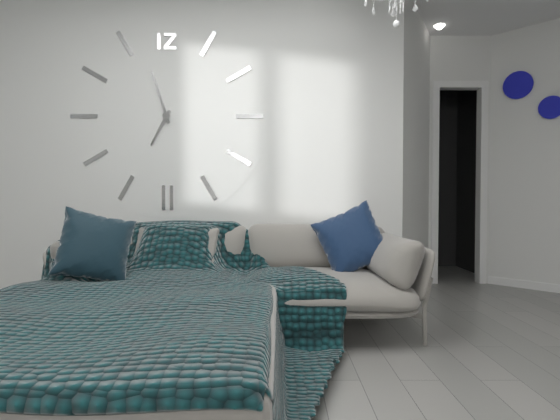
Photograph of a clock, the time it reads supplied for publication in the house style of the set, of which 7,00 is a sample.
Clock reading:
6,57
